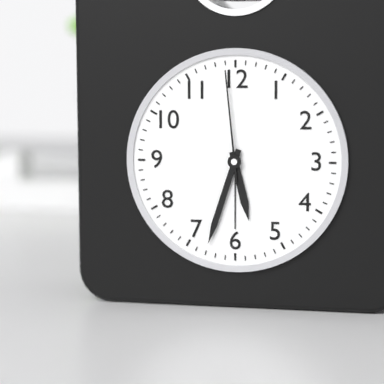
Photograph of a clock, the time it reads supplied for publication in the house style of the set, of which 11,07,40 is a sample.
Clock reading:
5,33,59
